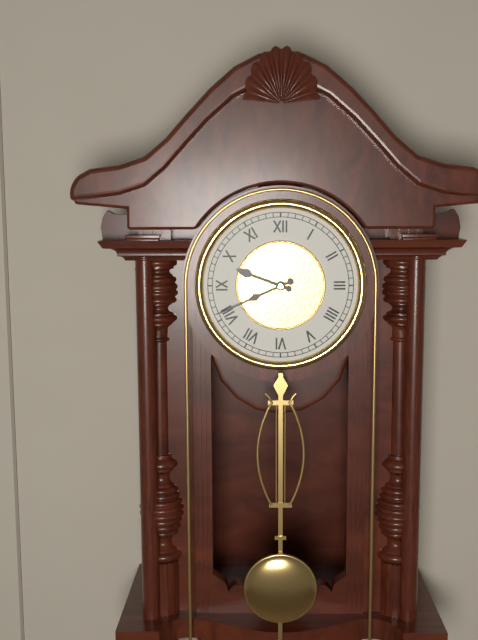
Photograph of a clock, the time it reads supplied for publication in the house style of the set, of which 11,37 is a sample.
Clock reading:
9,41
